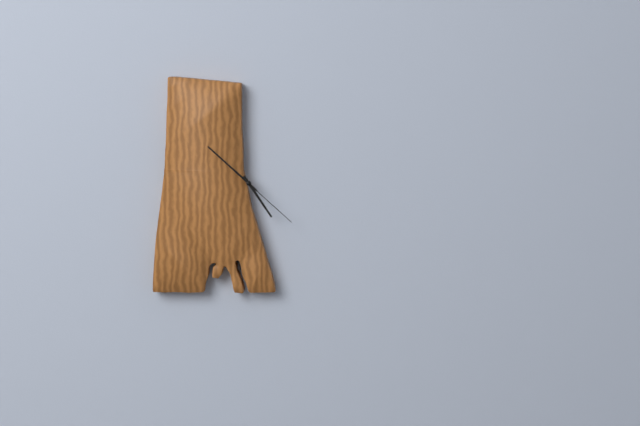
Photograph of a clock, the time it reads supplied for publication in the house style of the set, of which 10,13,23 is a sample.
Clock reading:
4,52,22
